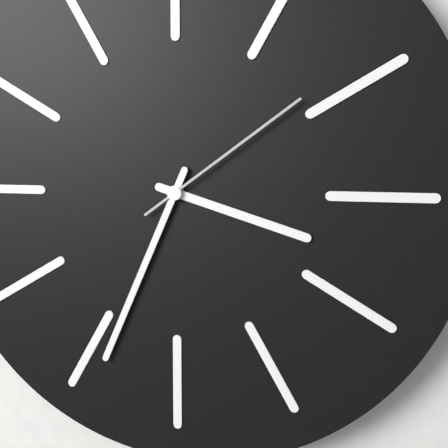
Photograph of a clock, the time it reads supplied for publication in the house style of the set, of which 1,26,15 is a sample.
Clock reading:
3,34,09
